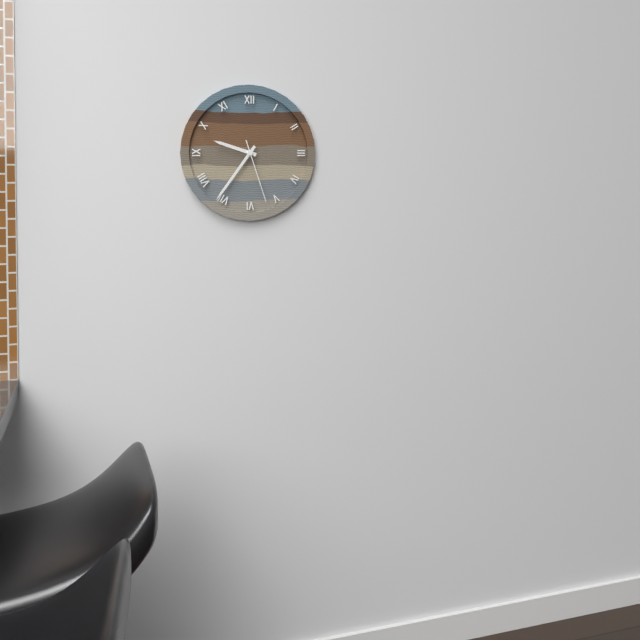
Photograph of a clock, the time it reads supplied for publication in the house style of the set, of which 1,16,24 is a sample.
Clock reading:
9,36,27
